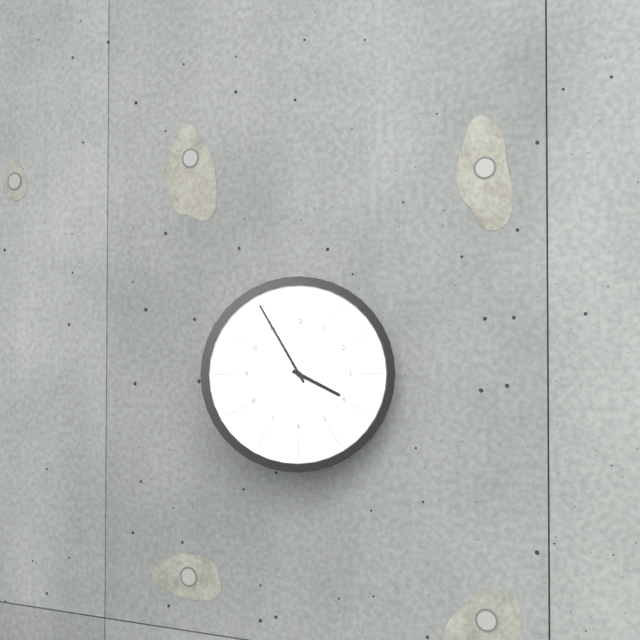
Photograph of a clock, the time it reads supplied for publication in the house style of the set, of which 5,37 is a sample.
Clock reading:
3,55
